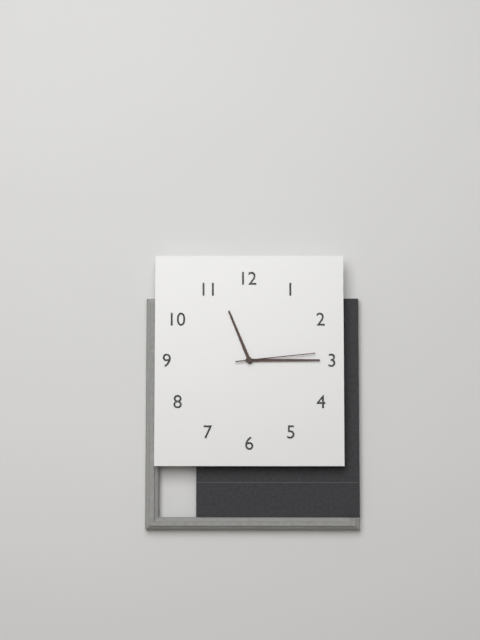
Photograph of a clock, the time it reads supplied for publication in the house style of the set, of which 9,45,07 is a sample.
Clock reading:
11,15,14
